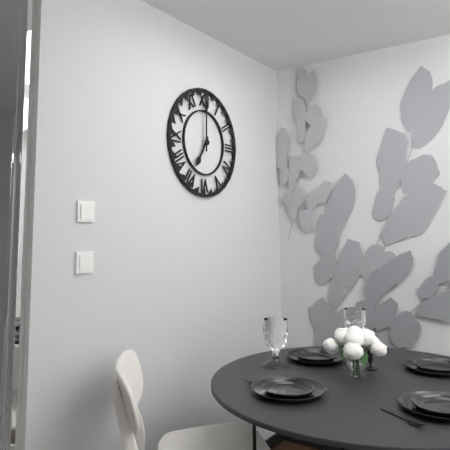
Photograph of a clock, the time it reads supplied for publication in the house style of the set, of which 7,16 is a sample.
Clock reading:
7,00
